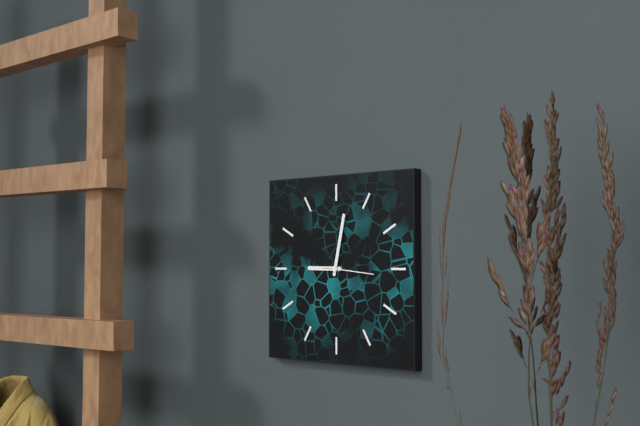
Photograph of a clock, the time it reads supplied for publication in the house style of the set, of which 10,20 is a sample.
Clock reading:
9,02
